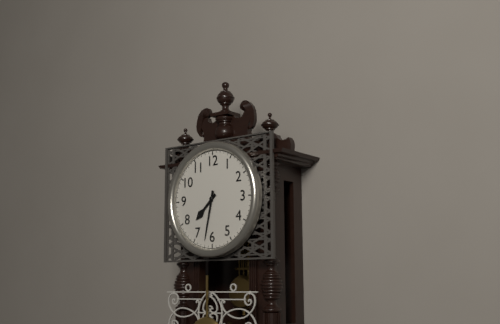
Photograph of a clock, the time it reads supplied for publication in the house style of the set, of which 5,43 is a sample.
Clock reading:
7,32
